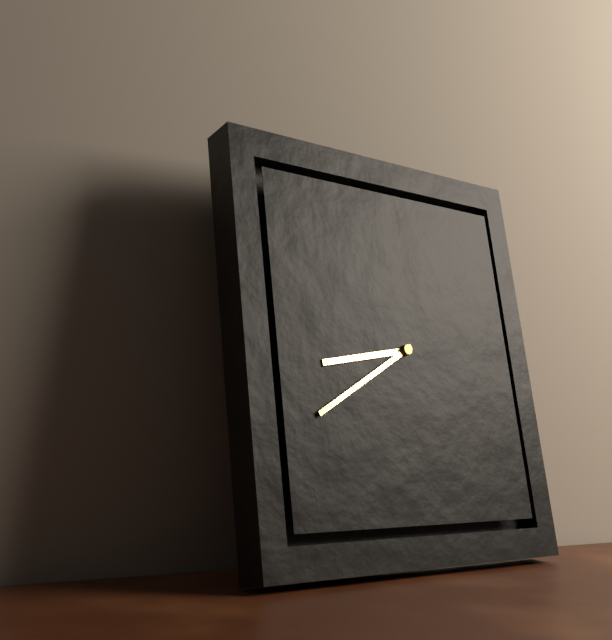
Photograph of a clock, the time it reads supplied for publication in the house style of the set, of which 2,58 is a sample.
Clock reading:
8,40
